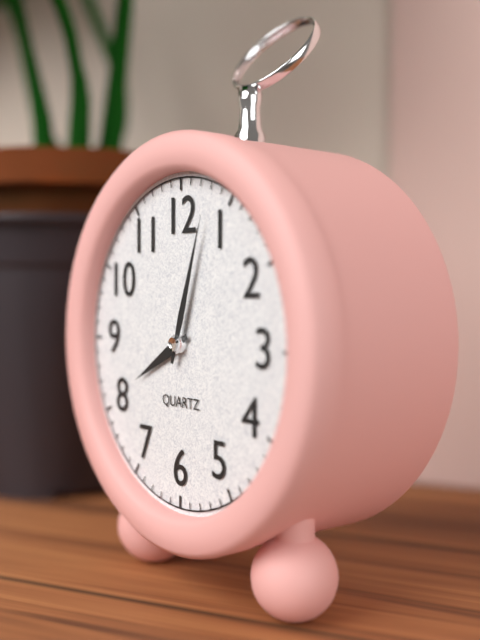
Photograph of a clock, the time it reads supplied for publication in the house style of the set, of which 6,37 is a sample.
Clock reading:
8,03
